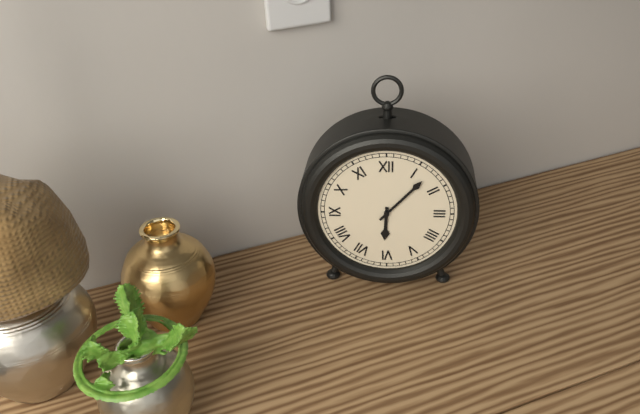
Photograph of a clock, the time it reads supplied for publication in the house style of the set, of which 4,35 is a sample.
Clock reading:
6,07
